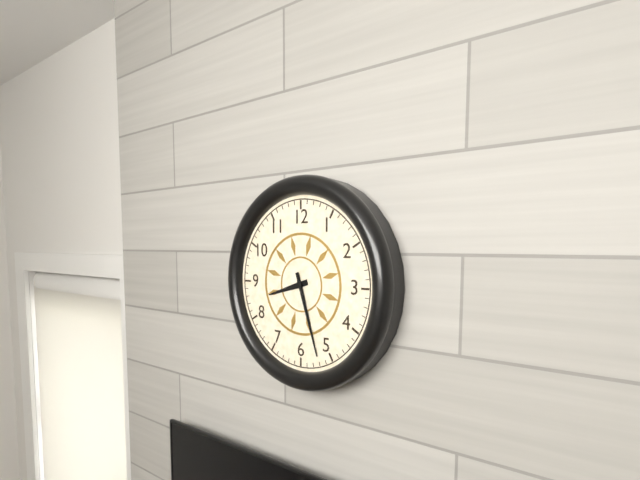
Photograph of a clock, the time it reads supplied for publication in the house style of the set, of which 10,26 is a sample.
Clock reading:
8,27
